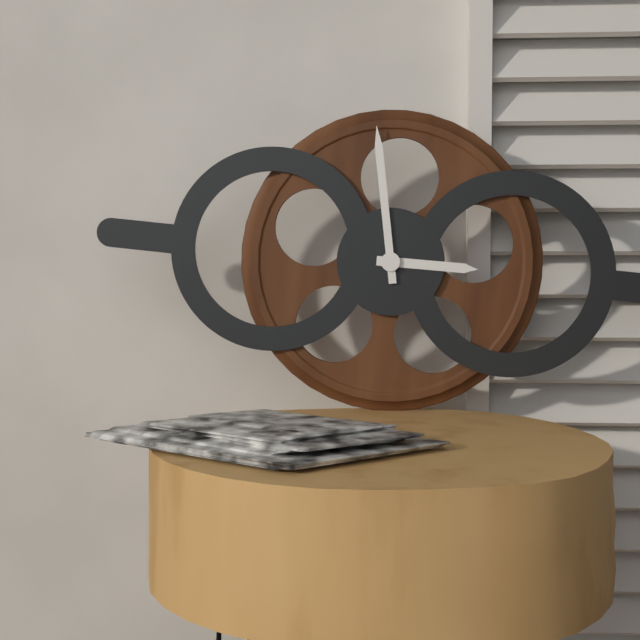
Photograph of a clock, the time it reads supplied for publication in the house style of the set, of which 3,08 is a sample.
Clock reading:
2,58
